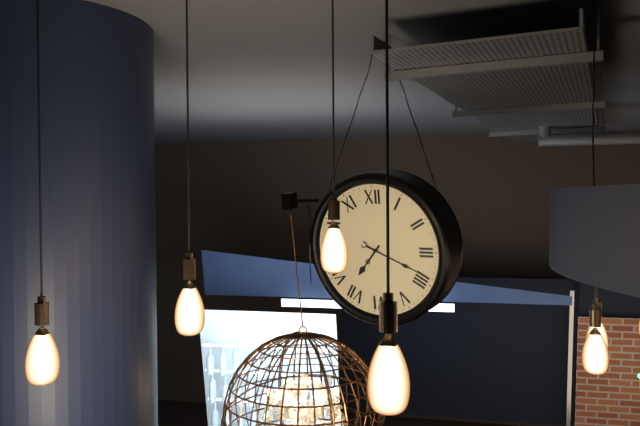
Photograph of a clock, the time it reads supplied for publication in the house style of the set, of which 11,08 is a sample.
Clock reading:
7,19
